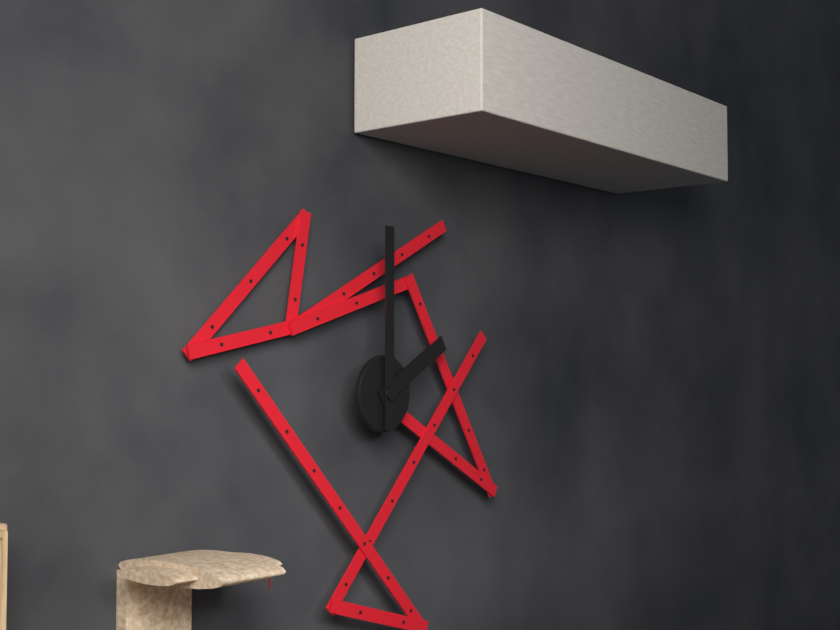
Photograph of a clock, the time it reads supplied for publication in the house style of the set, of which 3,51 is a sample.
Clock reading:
2,00
